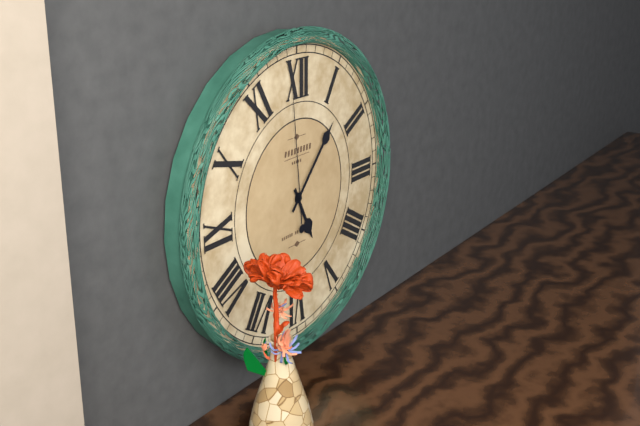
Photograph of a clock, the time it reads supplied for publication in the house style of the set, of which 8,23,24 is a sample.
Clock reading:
5,07,59
